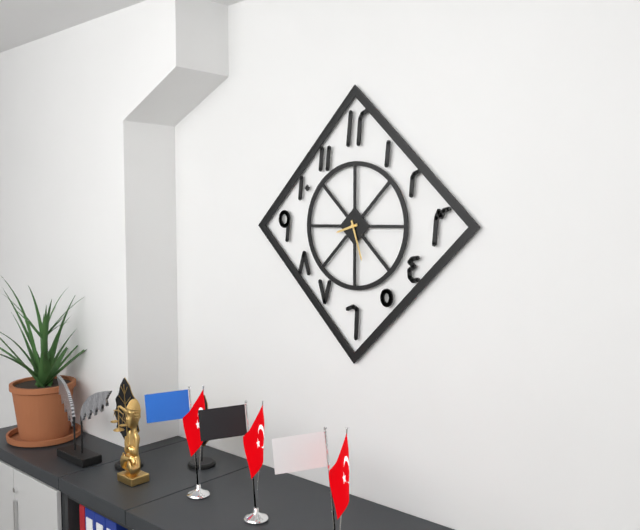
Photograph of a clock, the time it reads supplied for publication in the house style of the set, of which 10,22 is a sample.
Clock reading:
8,27
